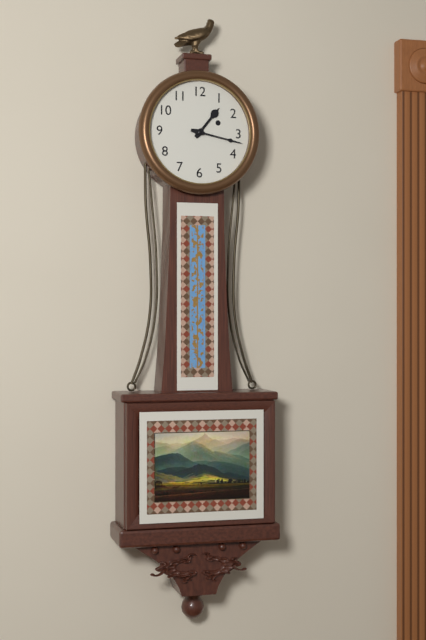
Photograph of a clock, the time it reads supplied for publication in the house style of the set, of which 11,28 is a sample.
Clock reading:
1,17
